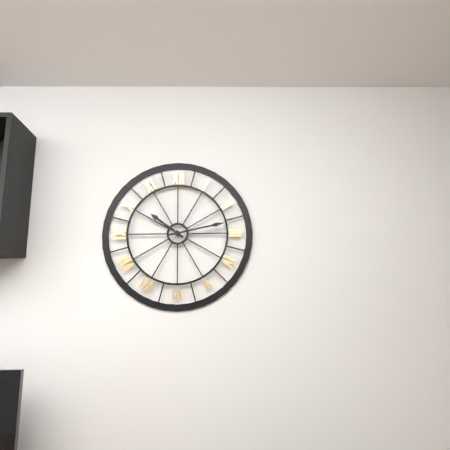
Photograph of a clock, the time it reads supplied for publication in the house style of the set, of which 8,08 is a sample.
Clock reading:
10,13
